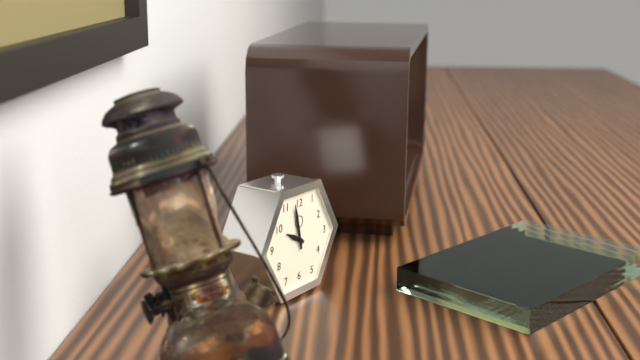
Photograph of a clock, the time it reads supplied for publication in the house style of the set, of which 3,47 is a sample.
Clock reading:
9,58
